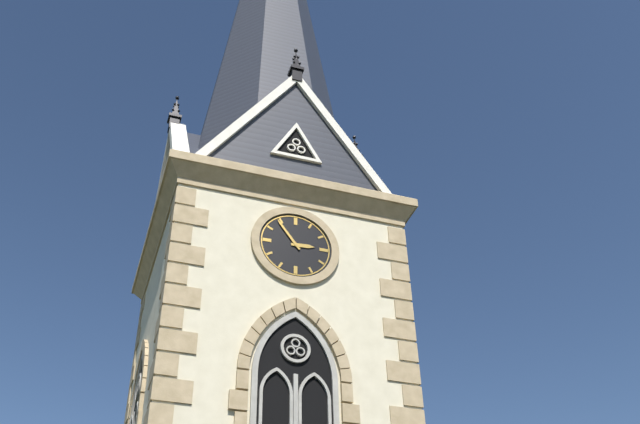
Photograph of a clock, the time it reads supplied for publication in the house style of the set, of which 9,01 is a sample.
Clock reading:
2,54
